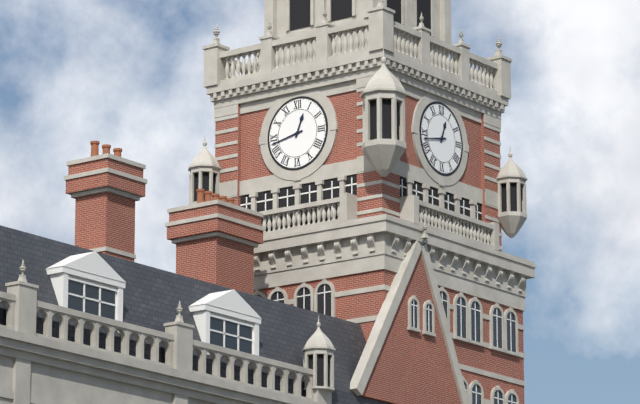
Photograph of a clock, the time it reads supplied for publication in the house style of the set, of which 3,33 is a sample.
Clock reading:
12,43
